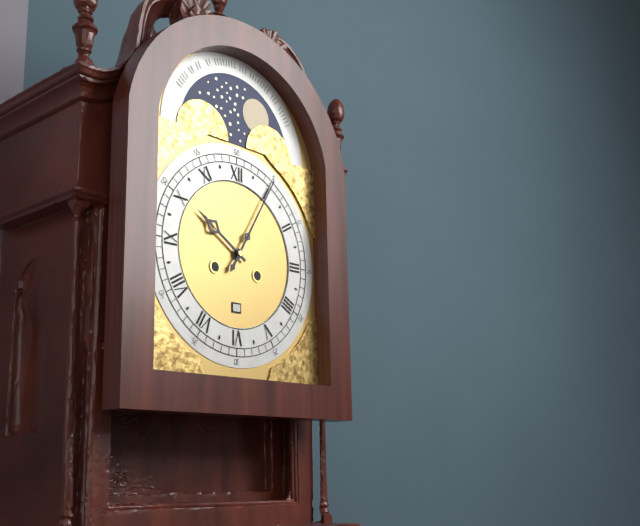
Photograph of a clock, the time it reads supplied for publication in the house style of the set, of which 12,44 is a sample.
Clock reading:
10,05
